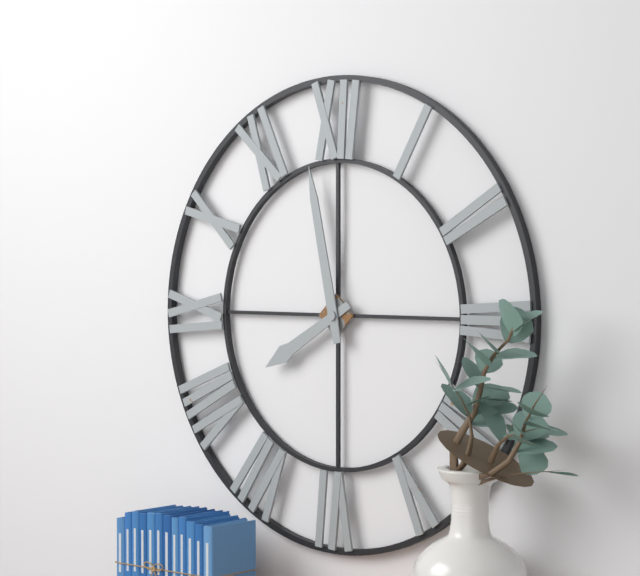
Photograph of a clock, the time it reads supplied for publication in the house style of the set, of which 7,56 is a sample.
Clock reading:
7,58
